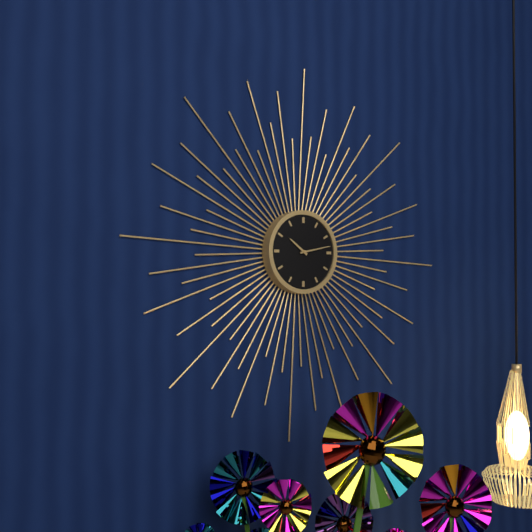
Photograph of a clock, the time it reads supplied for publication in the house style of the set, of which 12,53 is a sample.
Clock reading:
10,13
